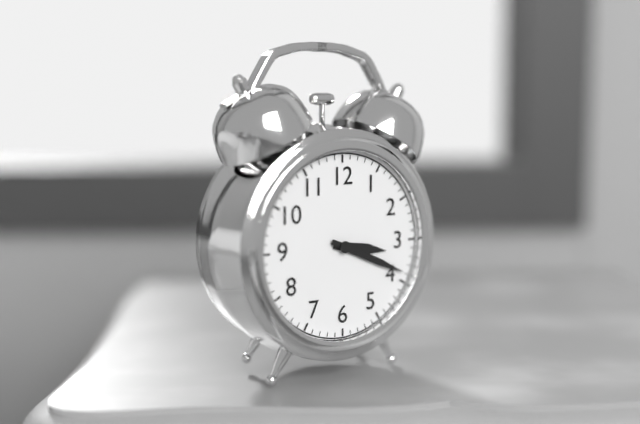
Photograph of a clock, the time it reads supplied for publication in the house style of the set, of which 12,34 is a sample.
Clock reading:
3,19
